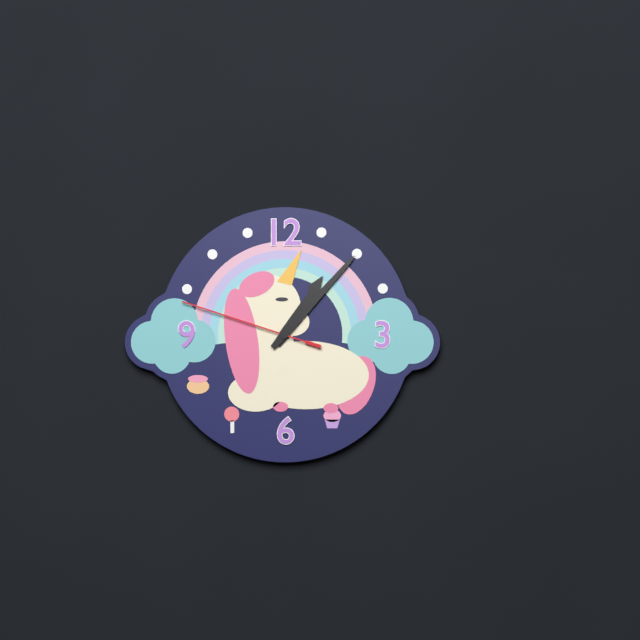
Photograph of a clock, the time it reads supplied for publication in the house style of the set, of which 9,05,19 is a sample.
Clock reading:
1,07,48
